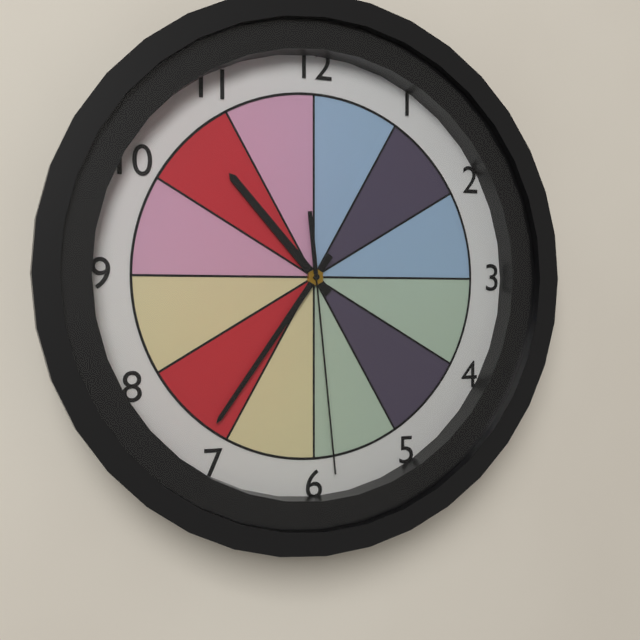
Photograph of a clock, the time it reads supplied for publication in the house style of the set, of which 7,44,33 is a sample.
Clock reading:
10,36,29
